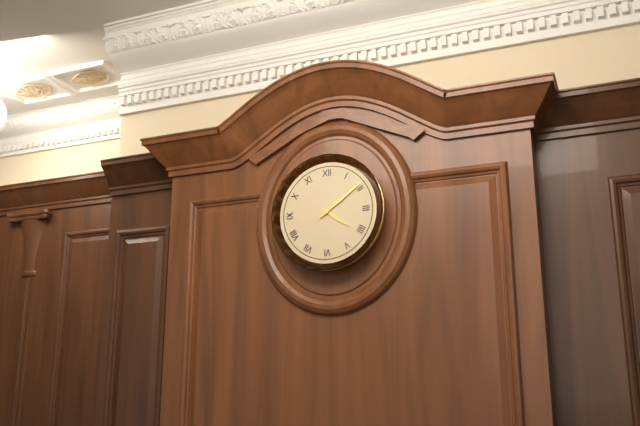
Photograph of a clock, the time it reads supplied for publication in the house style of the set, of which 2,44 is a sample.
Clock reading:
4,09
